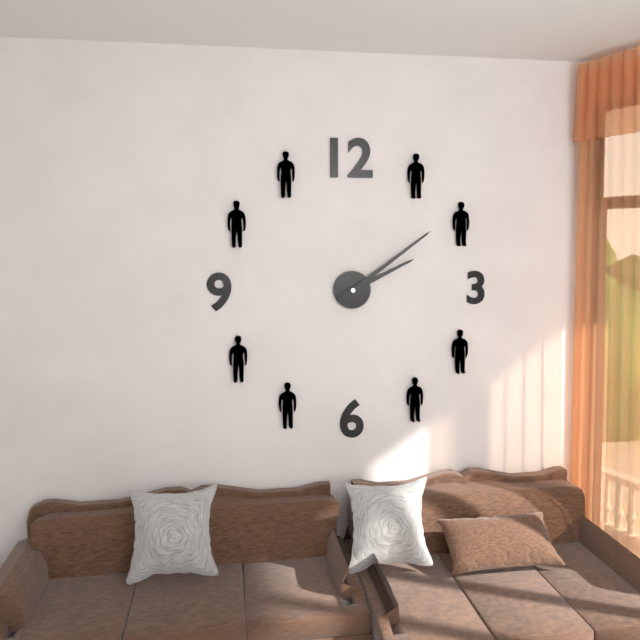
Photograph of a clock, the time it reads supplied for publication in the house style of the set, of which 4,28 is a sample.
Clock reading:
2,09
